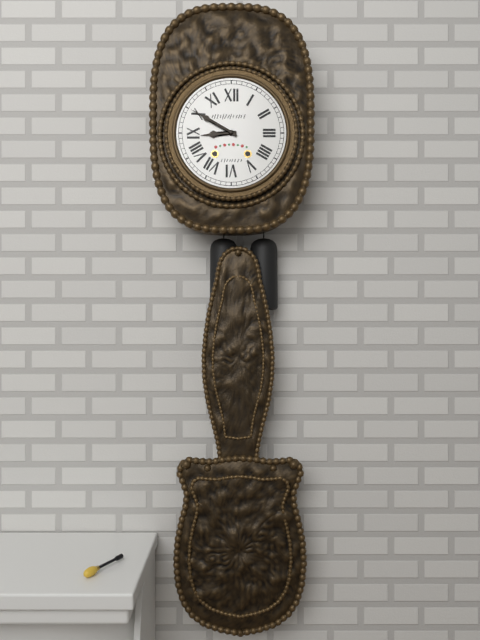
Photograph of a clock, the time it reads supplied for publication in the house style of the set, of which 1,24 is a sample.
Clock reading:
8,50
